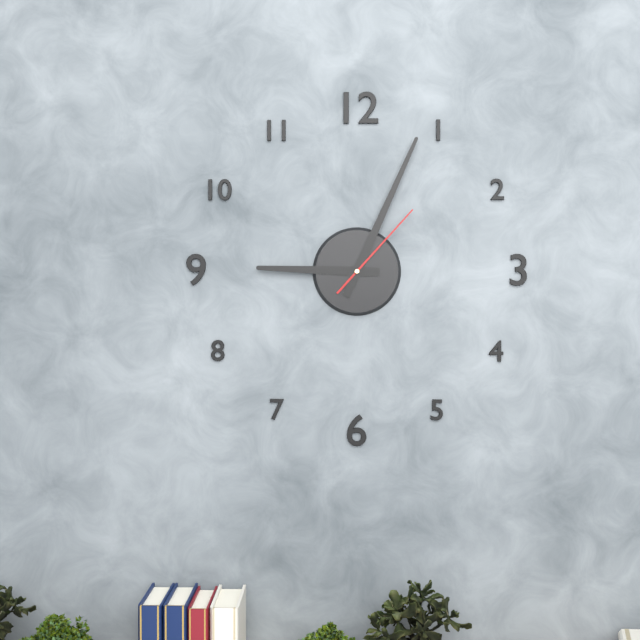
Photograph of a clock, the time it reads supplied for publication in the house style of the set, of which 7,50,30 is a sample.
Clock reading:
9,04,07
